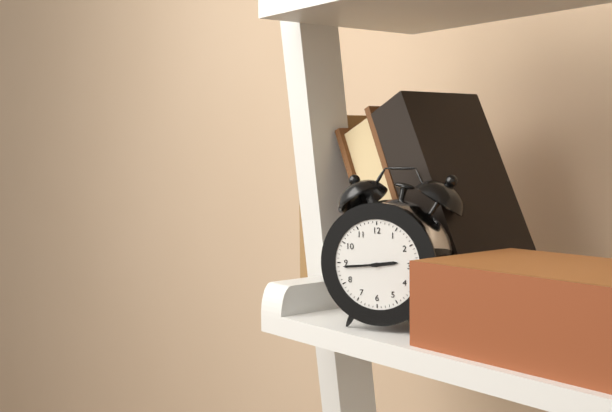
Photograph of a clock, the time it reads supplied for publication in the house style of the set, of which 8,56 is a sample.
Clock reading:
2,44
